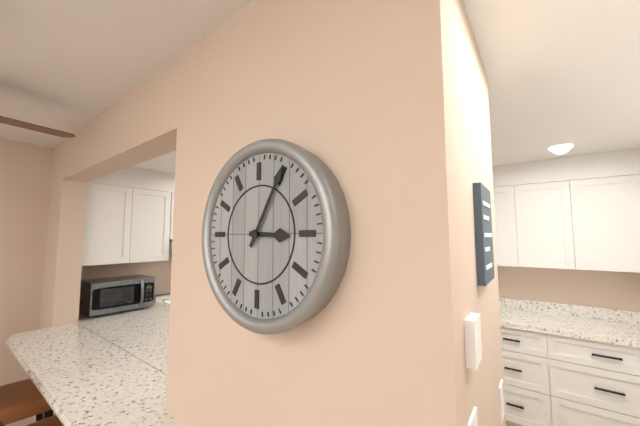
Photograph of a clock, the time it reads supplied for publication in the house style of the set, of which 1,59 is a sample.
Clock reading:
3,05
